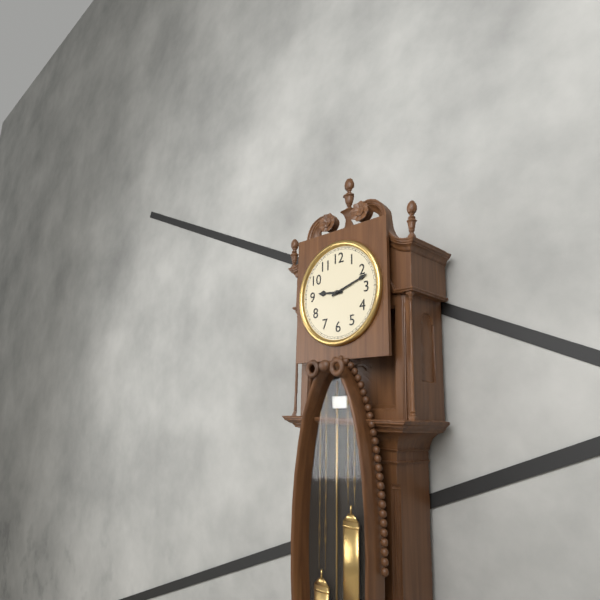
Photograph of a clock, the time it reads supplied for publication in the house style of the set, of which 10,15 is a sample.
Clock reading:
9,12
